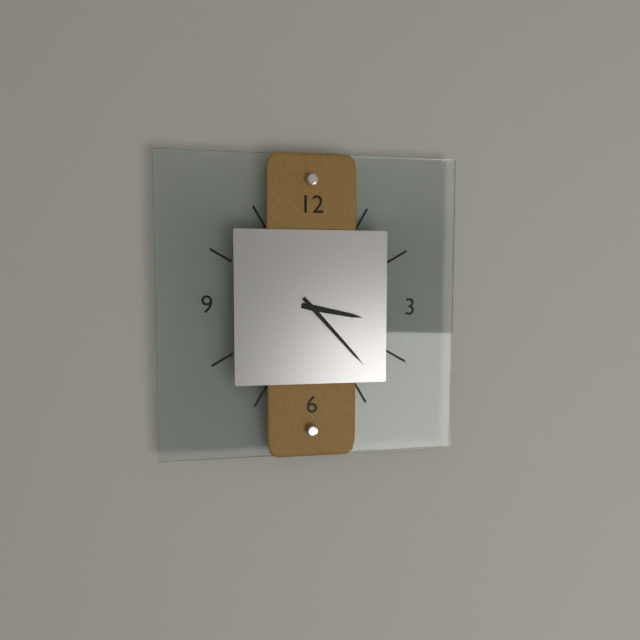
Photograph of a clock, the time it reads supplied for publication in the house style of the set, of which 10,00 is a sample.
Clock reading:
3,23
